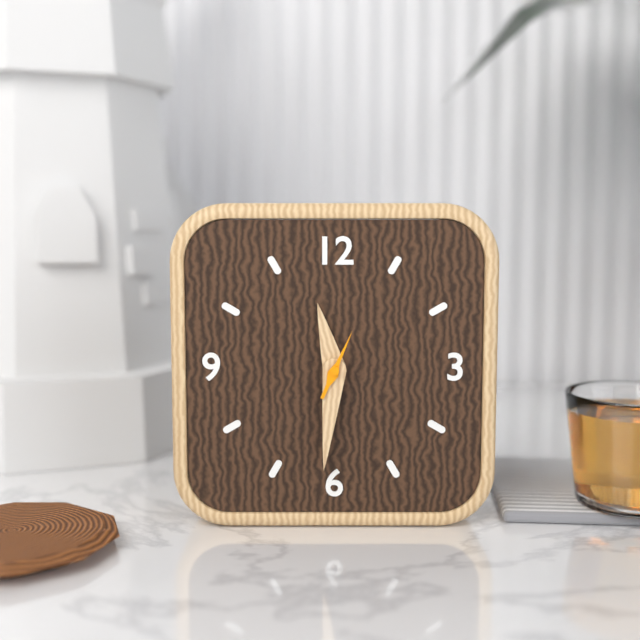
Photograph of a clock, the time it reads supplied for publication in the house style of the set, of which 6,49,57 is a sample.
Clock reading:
11,31,04
